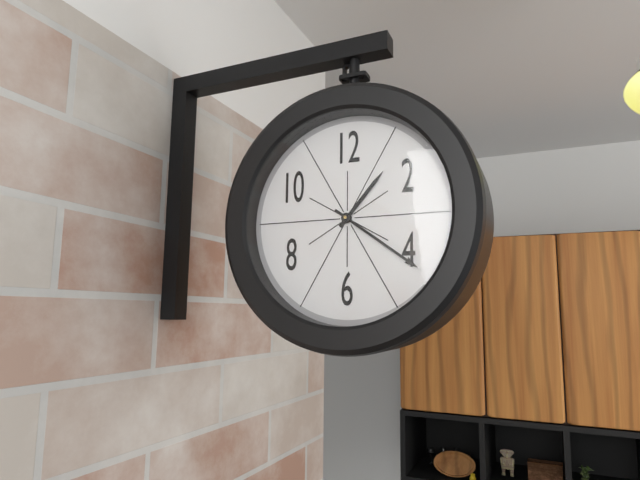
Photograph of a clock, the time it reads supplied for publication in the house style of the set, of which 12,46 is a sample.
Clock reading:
1,21
